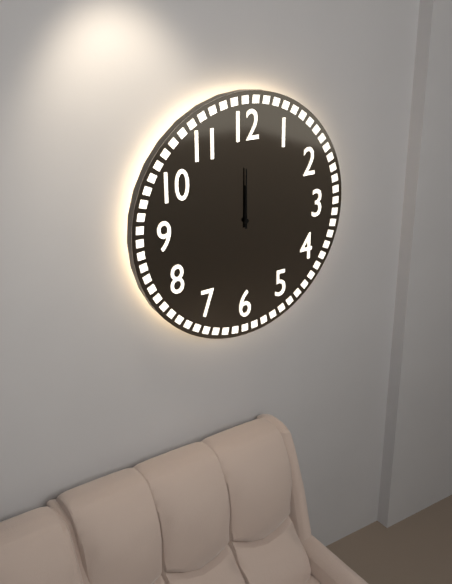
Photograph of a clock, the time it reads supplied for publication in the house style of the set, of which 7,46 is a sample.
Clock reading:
12,00
